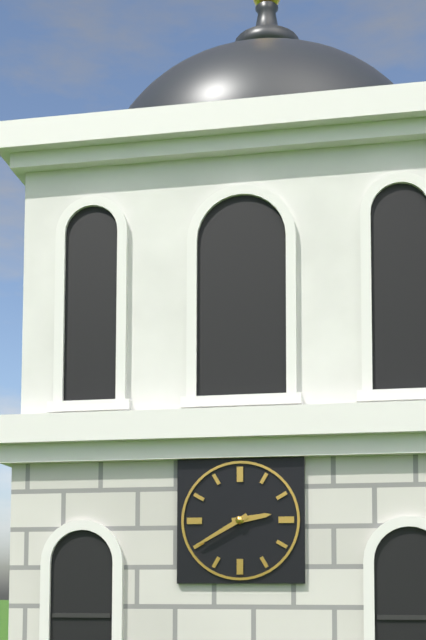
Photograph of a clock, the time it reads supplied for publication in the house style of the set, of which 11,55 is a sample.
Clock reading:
2,40
